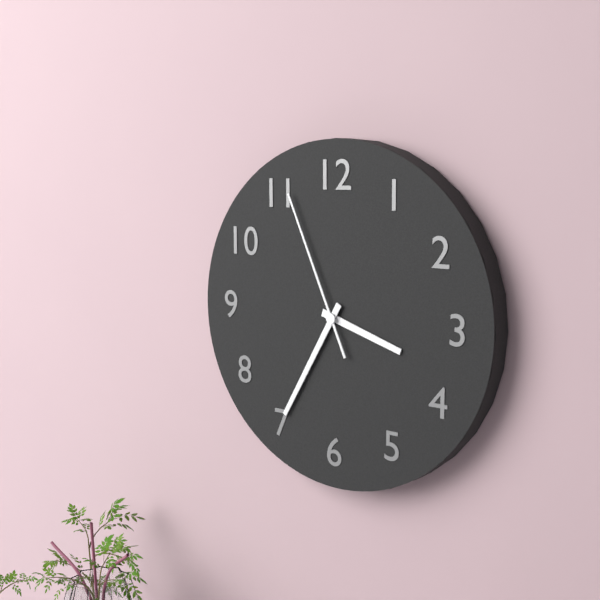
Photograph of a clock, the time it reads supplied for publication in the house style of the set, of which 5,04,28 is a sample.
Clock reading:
3,35,56
